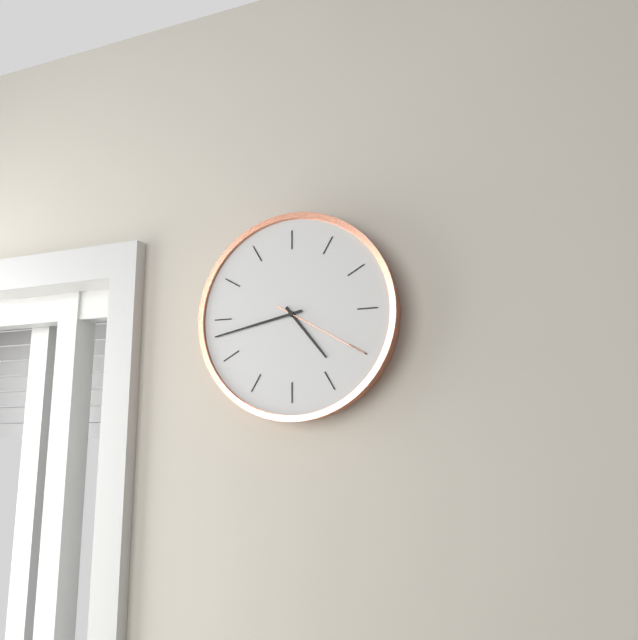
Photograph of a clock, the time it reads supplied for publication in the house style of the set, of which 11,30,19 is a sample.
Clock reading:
4,43,20
